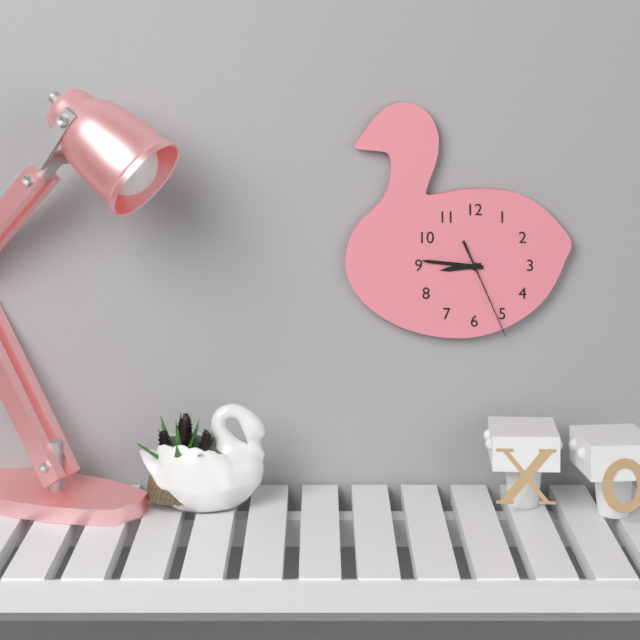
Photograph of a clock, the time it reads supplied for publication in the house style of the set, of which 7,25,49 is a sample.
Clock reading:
8,46,26
